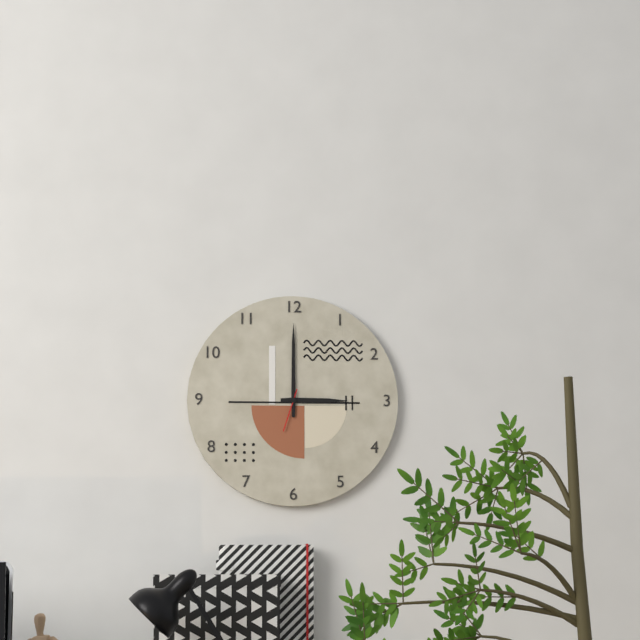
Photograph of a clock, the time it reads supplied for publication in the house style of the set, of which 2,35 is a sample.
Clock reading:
3,00
